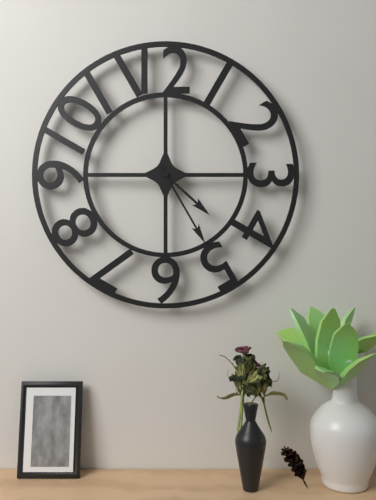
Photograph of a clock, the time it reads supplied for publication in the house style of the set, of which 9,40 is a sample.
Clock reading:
4,25
